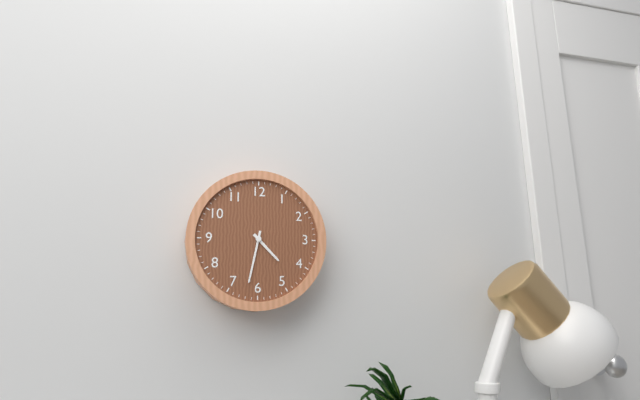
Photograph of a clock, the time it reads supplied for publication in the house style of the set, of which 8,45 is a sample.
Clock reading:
4,32
